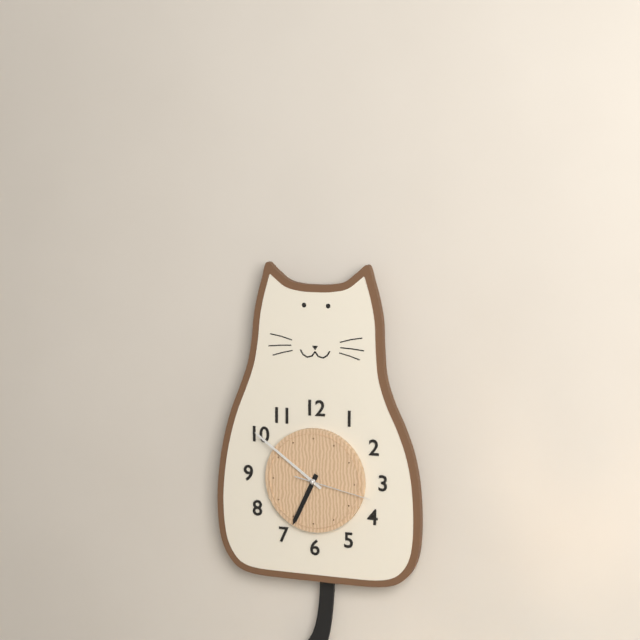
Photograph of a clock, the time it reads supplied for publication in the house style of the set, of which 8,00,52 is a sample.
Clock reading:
6,51,17
